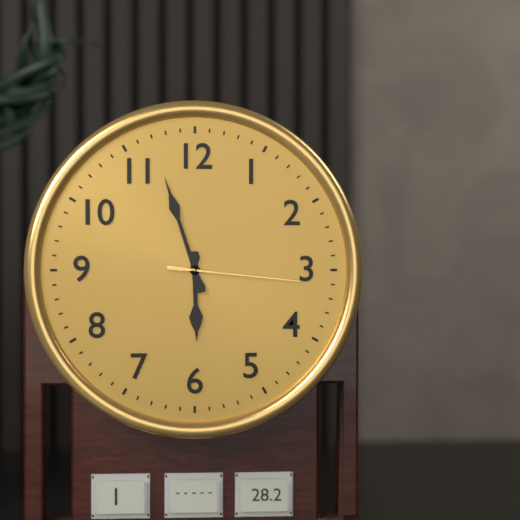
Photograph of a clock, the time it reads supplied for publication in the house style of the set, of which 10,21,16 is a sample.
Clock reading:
5,57,16
